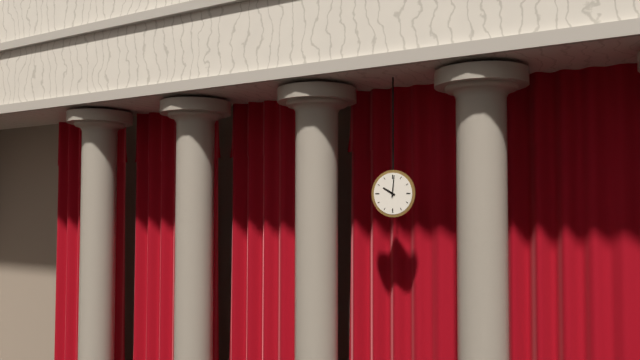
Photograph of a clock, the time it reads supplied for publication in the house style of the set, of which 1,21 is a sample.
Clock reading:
10,01
